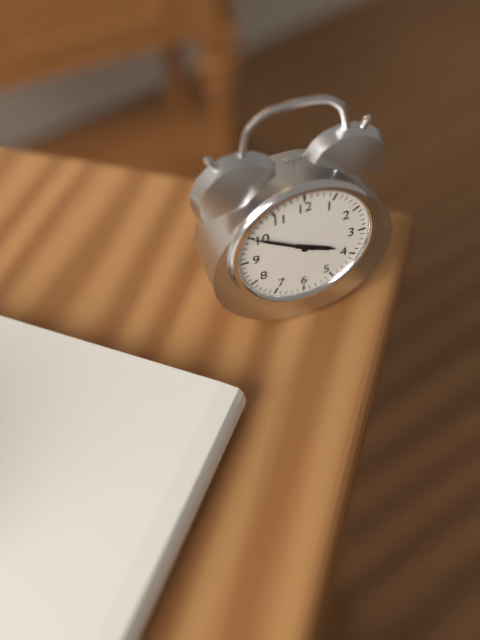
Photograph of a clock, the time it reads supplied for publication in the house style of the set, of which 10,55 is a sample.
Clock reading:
3,50
